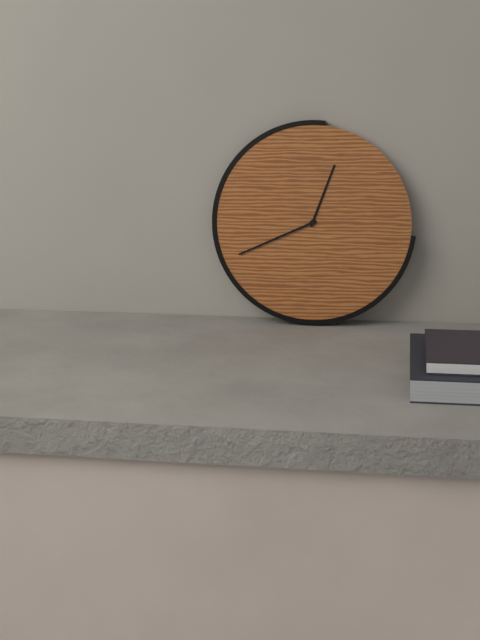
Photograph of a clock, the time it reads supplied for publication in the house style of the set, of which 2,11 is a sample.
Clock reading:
12,41
